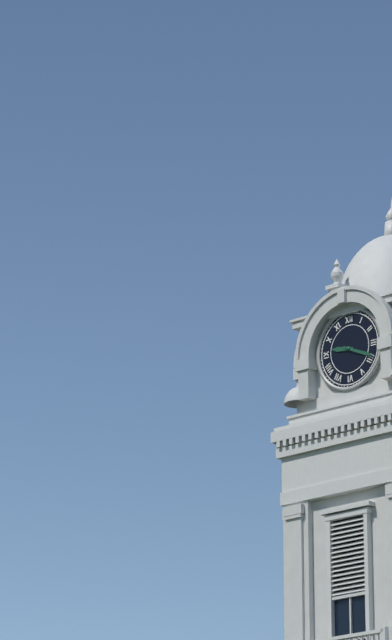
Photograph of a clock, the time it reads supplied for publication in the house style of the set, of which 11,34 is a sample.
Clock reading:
9,19
